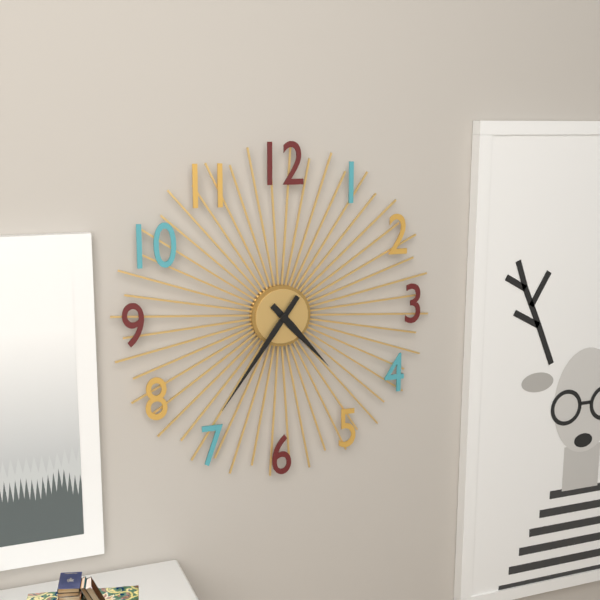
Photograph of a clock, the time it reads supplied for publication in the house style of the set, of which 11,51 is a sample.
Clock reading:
4,36
